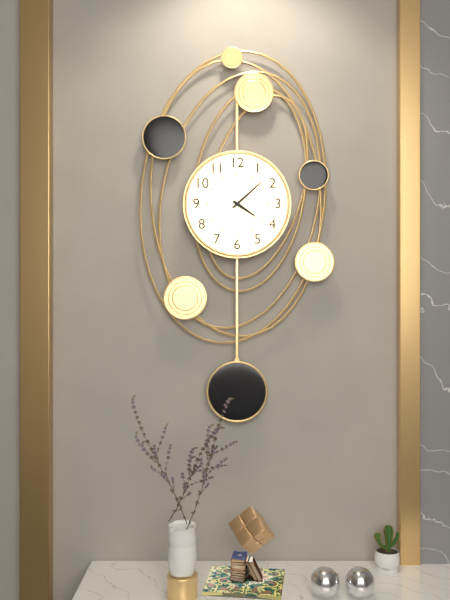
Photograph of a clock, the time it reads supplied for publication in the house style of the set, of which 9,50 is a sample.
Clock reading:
4,08
